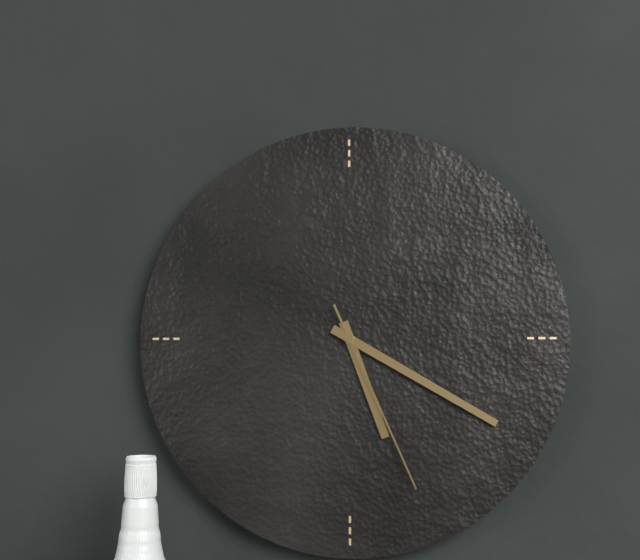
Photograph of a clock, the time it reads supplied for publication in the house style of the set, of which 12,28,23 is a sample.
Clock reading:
5,20,26
